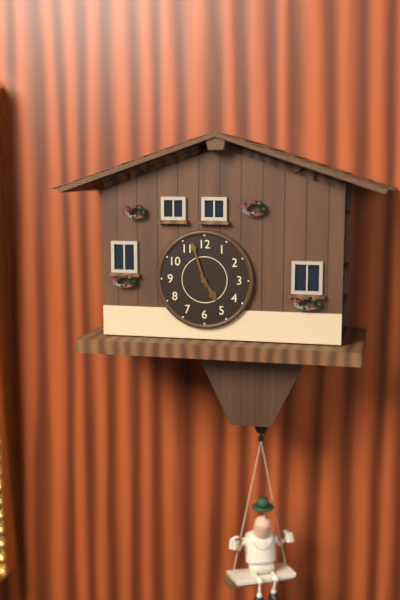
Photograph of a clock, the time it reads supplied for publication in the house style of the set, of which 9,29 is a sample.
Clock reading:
4,57
